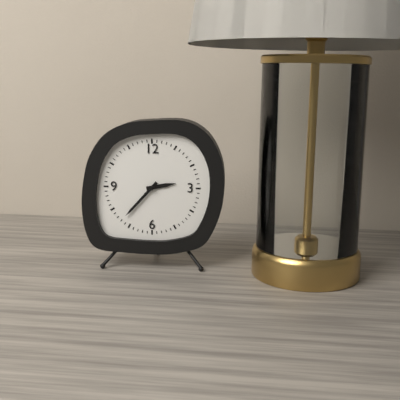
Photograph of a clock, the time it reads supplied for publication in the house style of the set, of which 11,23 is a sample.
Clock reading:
2,37
